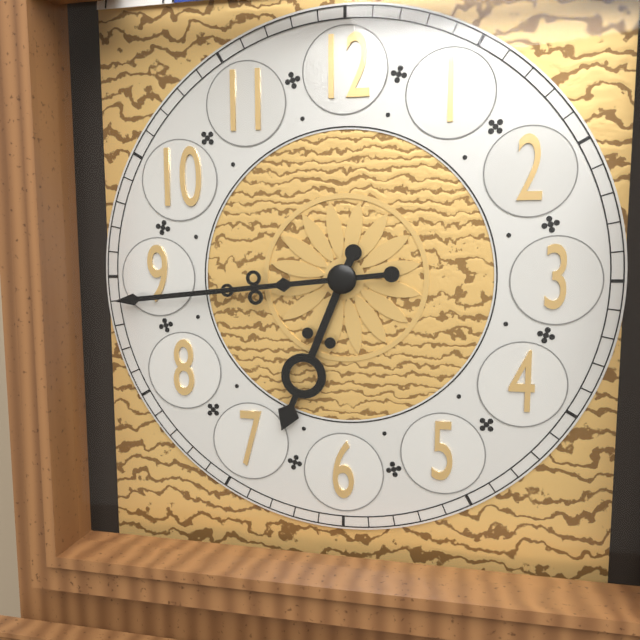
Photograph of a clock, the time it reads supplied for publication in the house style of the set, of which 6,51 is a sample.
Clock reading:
6,44
